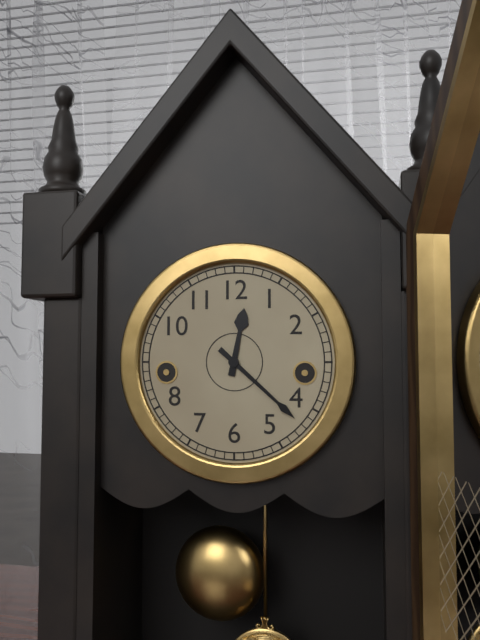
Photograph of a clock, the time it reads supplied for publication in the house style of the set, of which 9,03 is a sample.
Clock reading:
12,22
